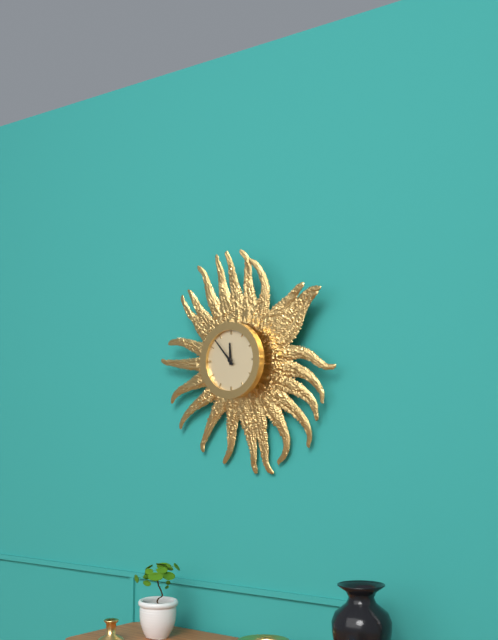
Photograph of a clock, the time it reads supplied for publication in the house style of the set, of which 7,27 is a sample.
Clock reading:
11,53
